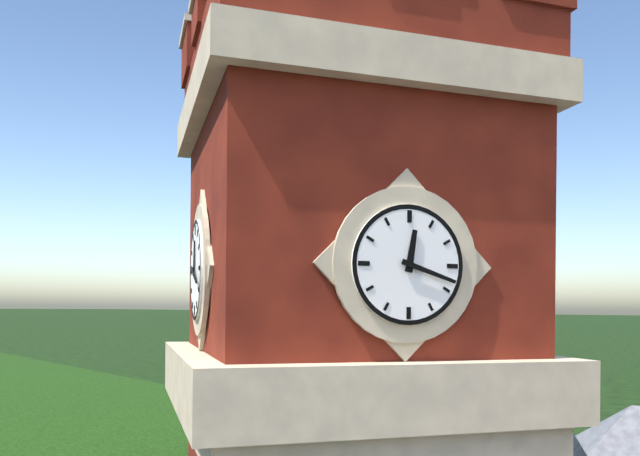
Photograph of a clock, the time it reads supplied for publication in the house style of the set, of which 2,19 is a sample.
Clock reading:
12,18
